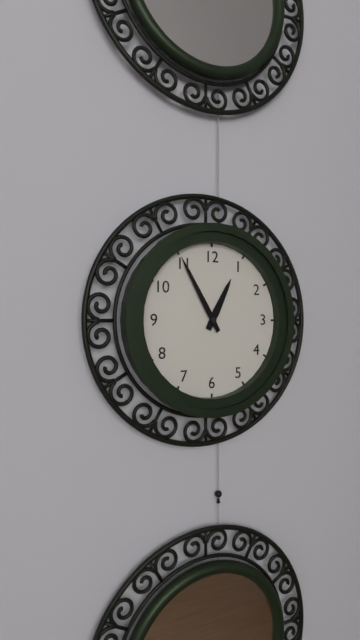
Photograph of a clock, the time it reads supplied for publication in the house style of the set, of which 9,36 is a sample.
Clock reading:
12,55
